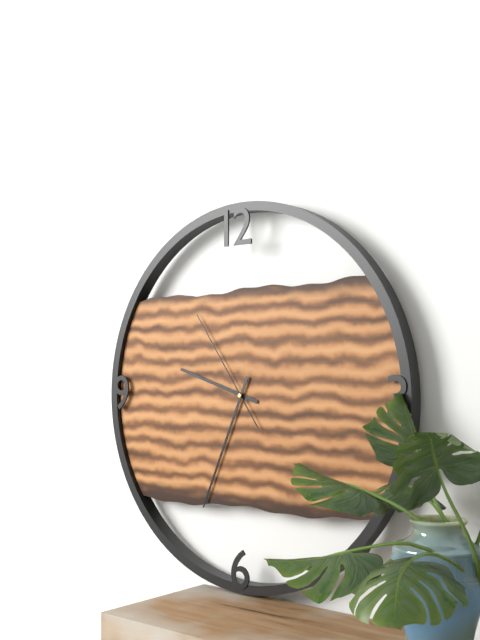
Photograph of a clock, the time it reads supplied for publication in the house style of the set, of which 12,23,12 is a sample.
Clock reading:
9,34,54
